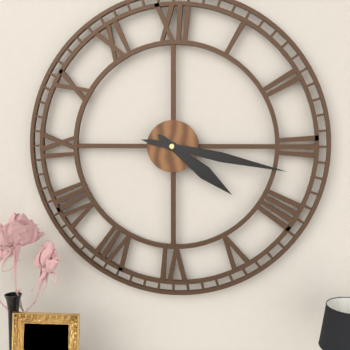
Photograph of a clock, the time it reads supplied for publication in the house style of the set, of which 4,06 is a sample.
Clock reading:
4,17
